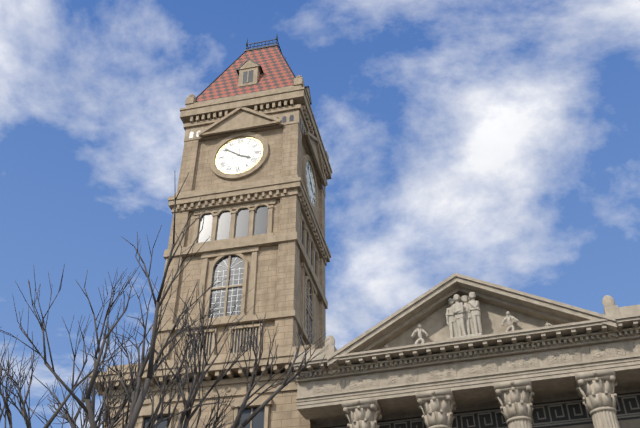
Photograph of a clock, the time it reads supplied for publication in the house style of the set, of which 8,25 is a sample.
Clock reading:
3,51
